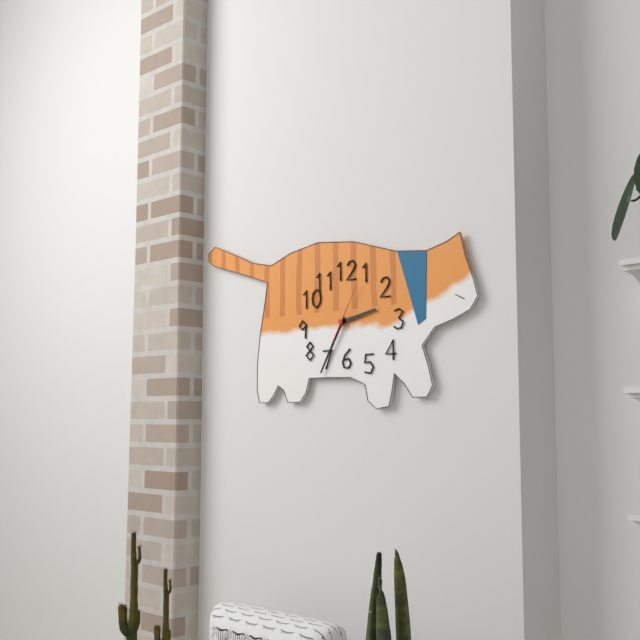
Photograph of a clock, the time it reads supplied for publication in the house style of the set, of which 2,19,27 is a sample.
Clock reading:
2,35,05
